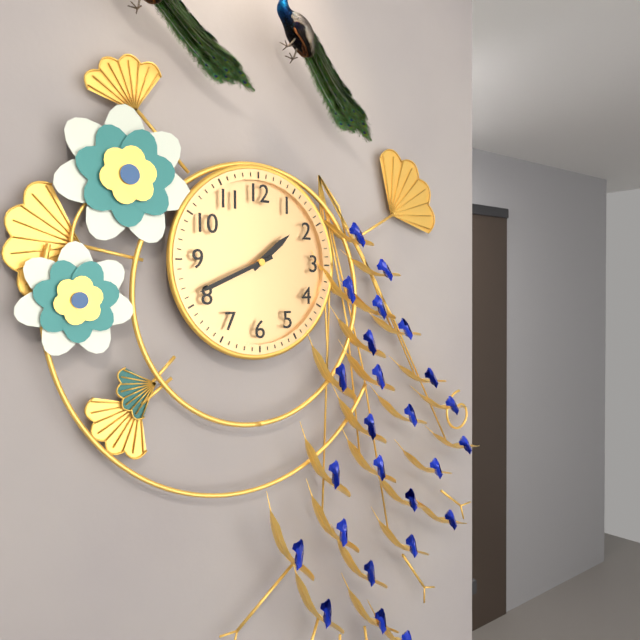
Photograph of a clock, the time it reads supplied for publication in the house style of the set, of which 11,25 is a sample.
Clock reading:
1,41
